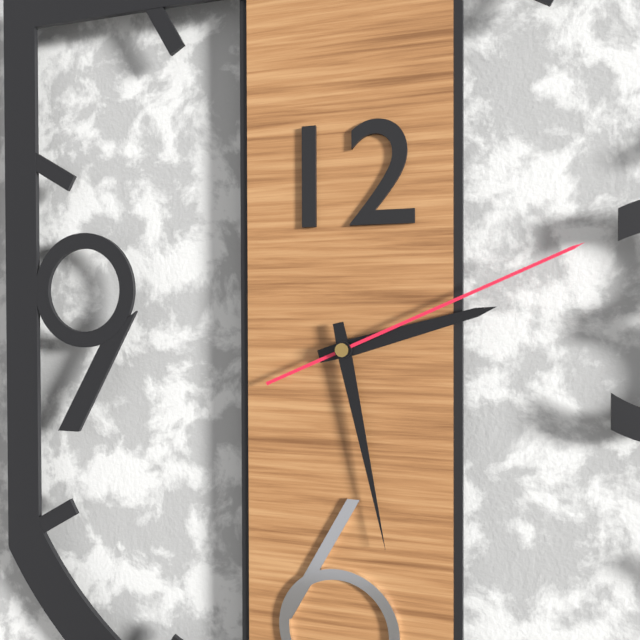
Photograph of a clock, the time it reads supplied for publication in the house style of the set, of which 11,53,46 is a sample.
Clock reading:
2,28,11
